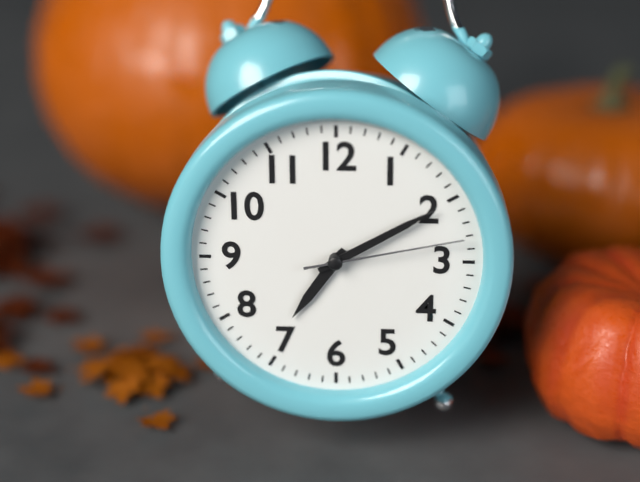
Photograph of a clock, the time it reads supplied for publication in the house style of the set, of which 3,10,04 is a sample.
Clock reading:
7,10,13
